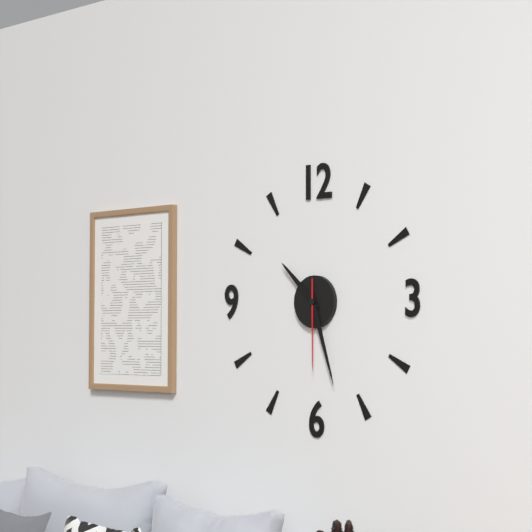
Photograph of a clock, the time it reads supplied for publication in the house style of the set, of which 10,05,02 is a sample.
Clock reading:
10,27,30
